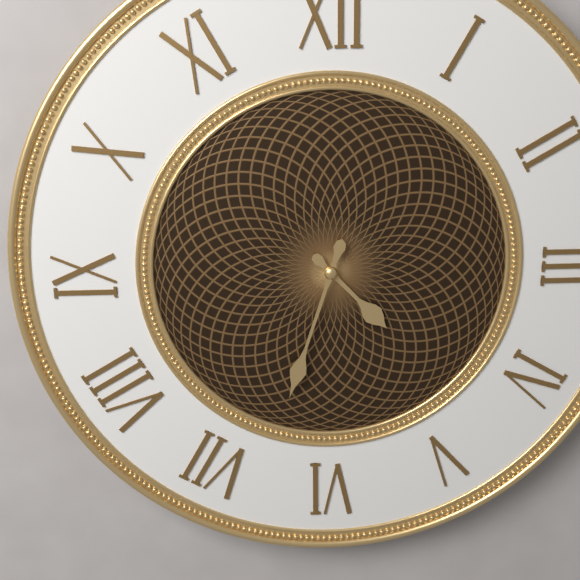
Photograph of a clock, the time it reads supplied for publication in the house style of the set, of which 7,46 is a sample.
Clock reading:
4,33
